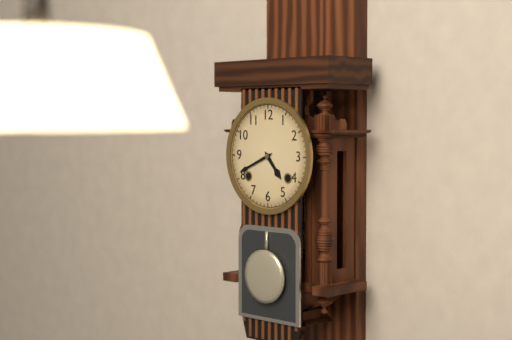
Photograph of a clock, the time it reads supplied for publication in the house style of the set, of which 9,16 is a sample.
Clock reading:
4,41
